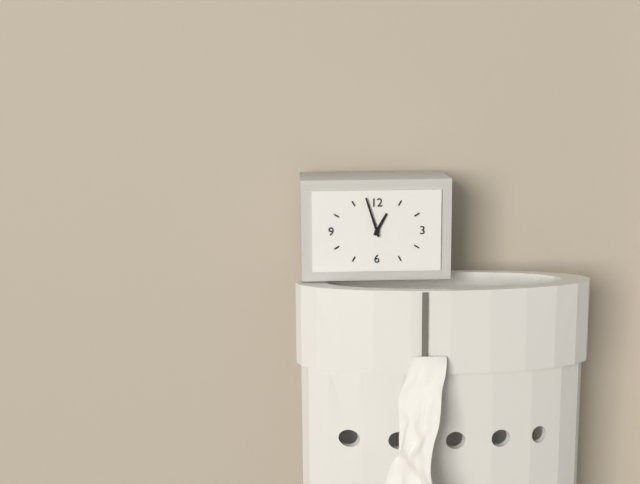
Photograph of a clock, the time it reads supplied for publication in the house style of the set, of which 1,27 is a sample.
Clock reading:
12,57
